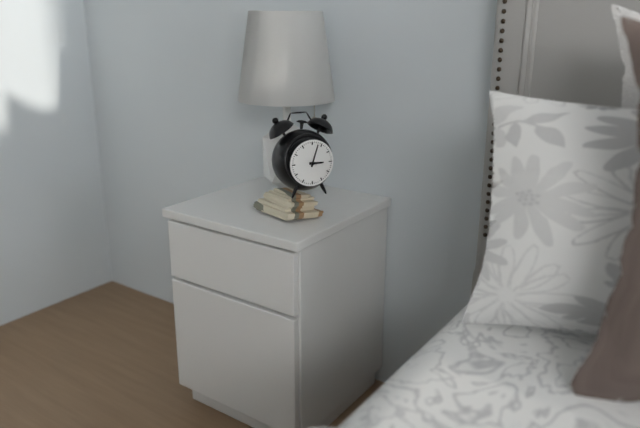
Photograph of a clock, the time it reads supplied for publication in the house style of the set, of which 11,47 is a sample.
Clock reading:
3,03
